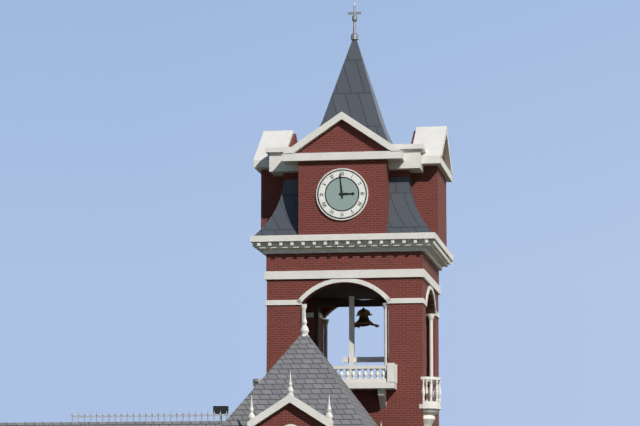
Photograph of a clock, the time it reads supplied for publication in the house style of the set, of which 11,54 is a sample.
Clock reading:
2,59
